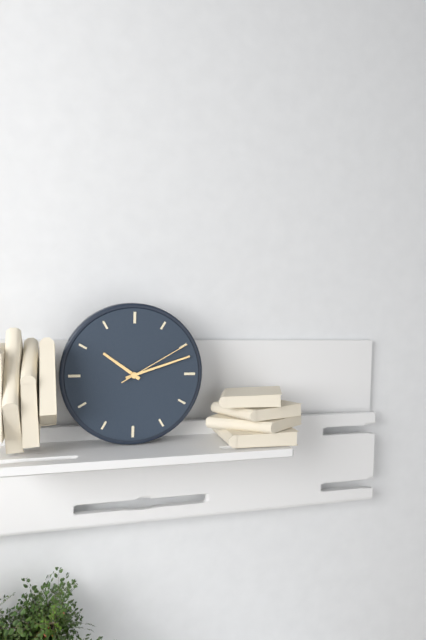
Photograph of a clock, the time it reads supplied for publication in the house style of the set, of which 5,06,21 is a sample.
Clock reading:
10,12,10
